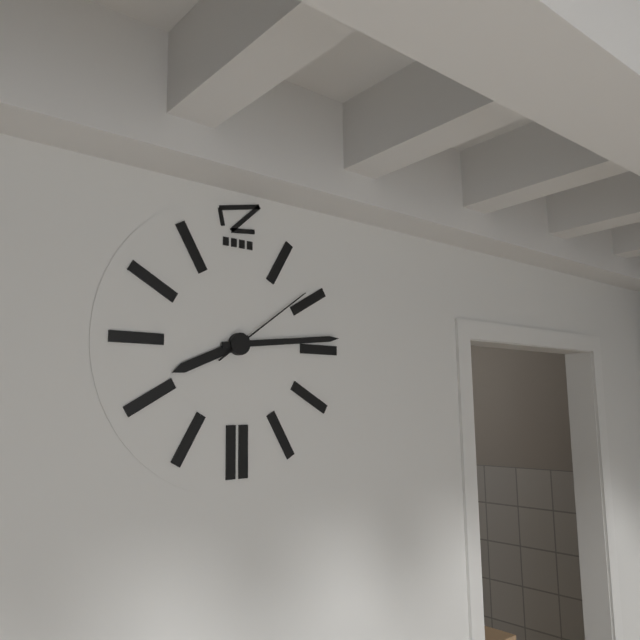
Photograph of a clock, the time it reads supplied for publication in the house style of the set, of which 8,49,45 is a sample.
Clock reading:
8,14,09
